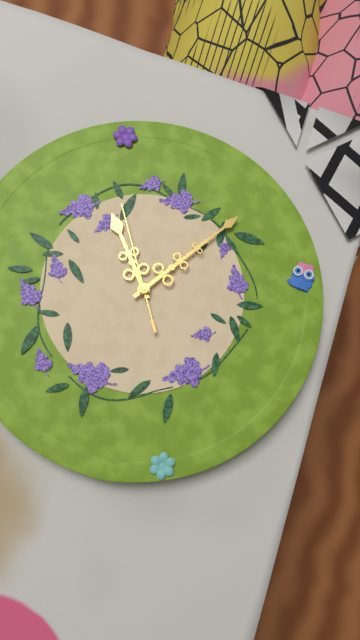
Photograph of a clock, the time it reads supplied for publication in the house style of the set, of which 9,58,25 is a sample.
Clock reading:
11,08,57
